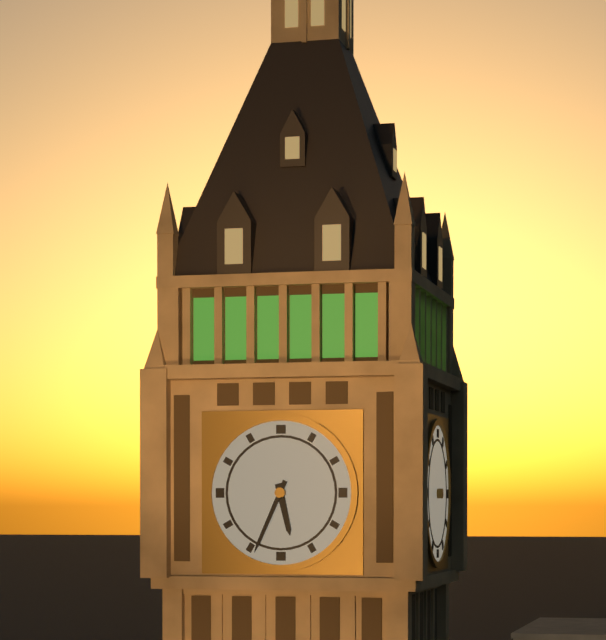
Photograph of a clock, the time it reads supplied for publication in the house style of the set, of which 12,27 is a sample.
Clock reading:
5,34
